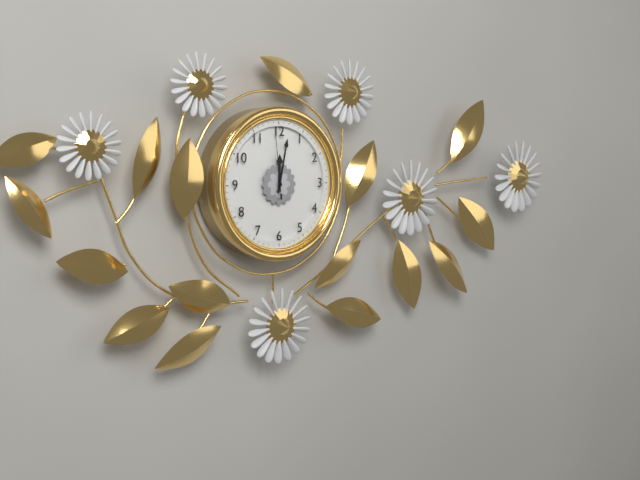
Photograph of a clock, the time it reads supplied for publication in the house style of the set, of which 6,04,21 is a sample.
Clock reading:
12,02,59
